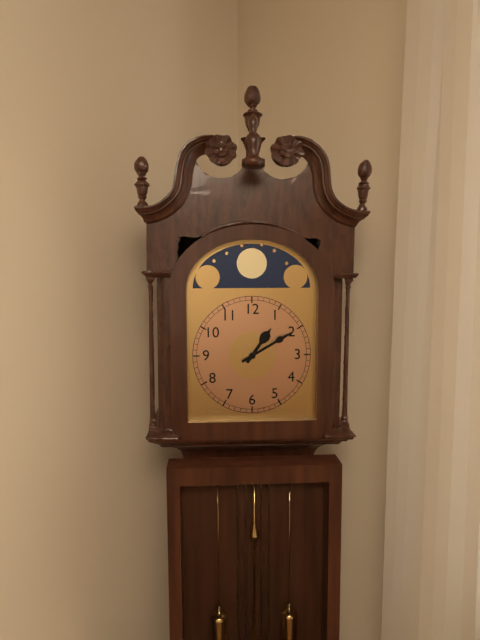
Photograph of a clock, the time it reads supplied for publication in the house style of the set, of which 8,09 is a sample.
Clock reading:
1,10
